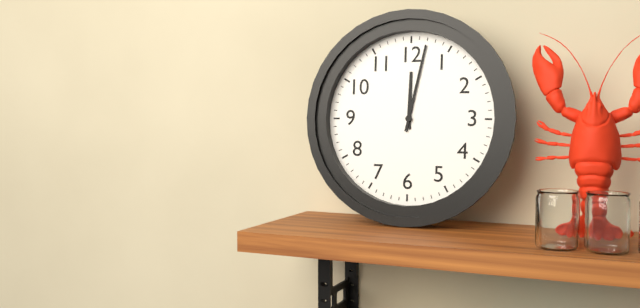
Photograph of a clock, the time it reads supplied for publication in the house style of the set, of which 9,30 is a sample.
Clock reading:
12,02
